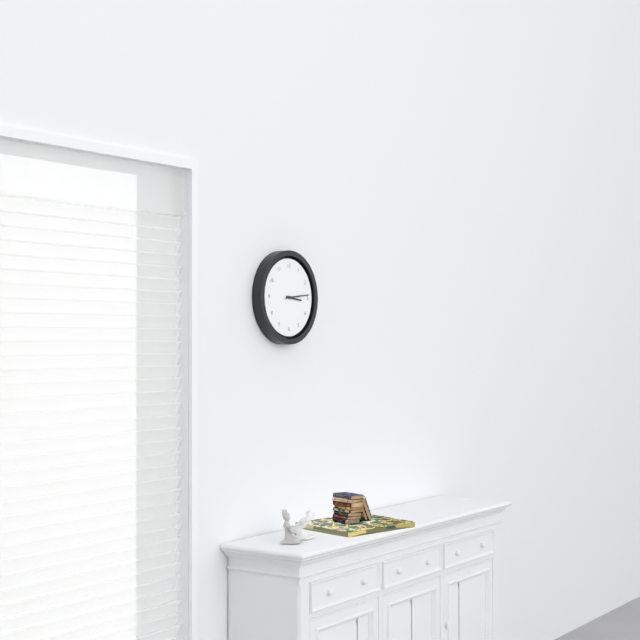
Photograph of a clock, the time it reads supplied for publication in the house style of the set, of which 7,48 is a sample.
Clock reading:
3,14
